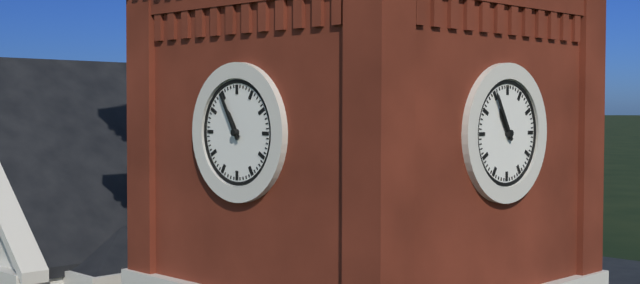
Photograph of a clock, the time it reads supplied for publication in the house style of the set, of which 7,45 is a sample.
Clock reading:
10,55
